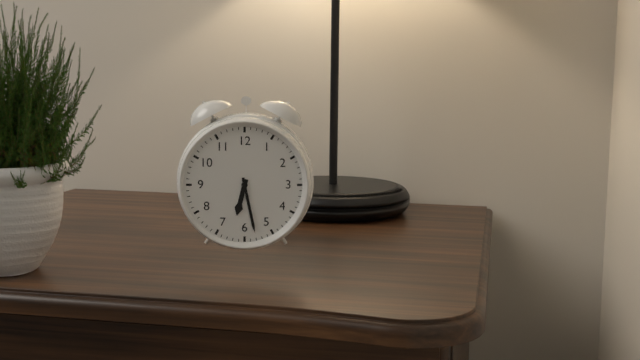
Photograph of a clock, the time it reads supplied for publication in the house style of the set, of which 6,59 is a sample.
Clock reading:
6,28
